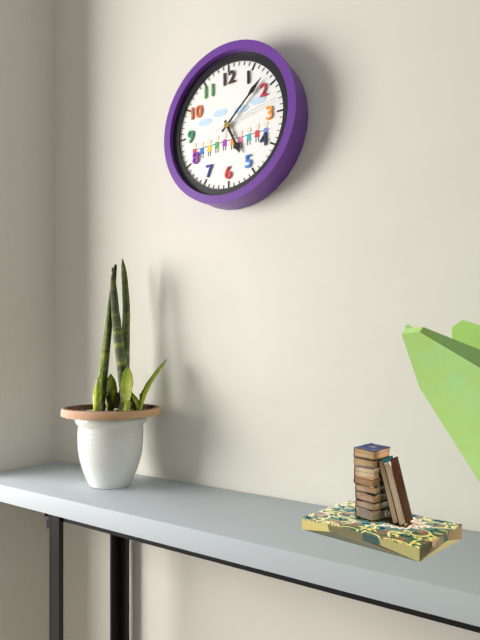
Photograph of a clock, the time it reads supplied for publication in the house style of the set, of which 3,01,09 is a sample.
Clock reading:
5,08,13
